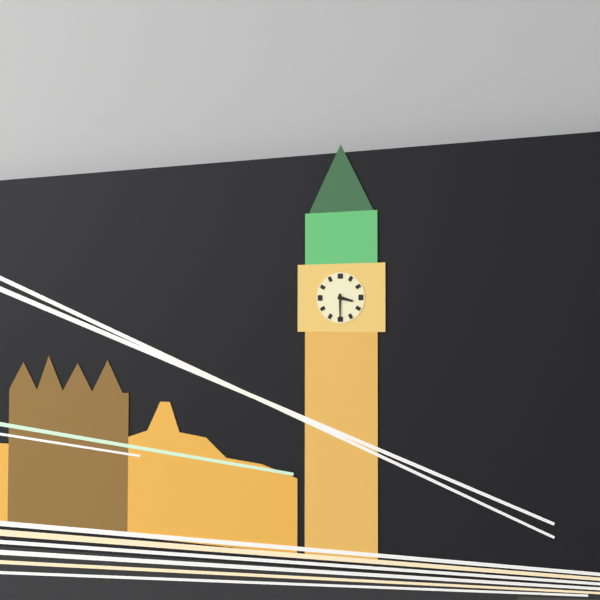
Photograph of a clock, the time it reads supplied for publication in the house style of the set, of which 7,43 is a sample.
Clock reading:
3,30
